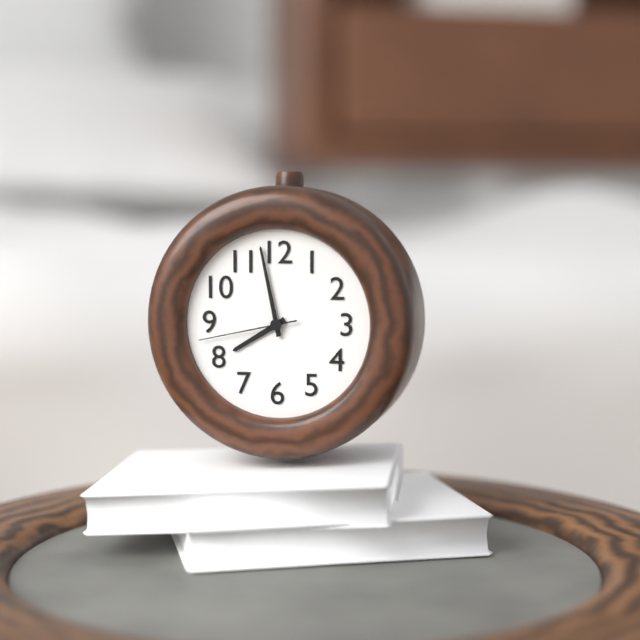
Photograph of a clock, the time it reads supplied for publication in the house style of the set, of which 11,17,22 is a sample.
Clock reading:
7,58,43
